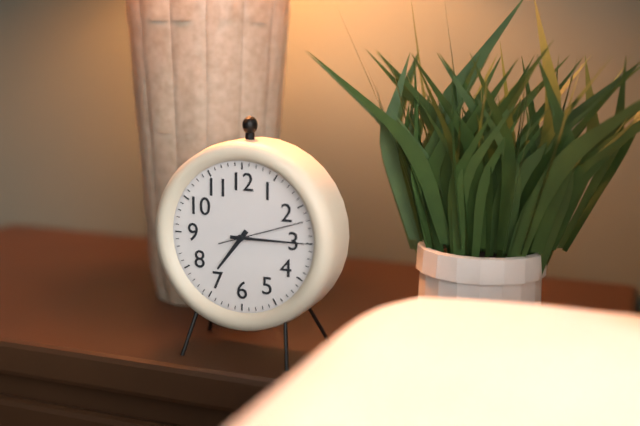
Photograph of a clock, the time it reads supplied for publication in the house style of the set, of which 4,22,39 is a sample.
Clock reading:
7,15,12
